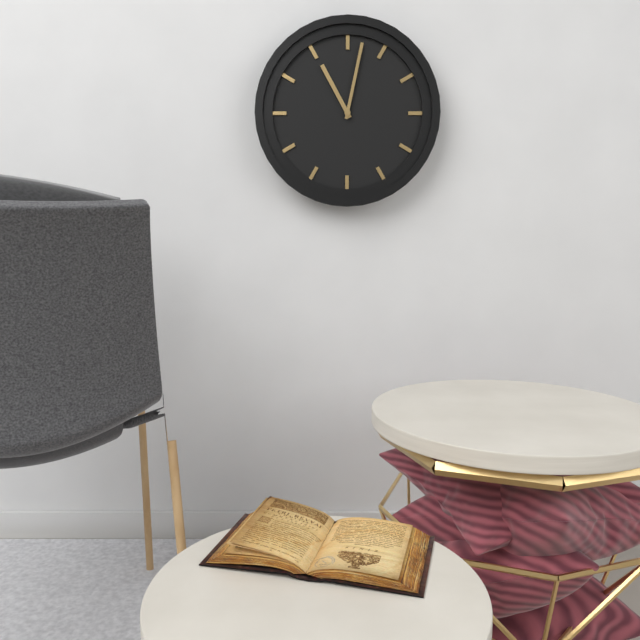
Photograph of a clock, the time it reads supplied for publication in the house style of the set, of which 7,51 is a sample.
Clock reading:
11,02
